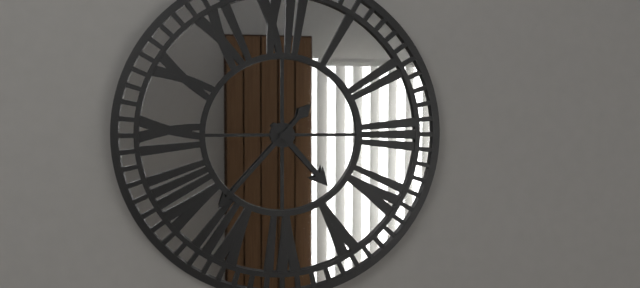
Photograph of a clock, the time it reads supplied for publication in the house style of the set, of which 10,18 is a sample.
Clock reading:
4,37
